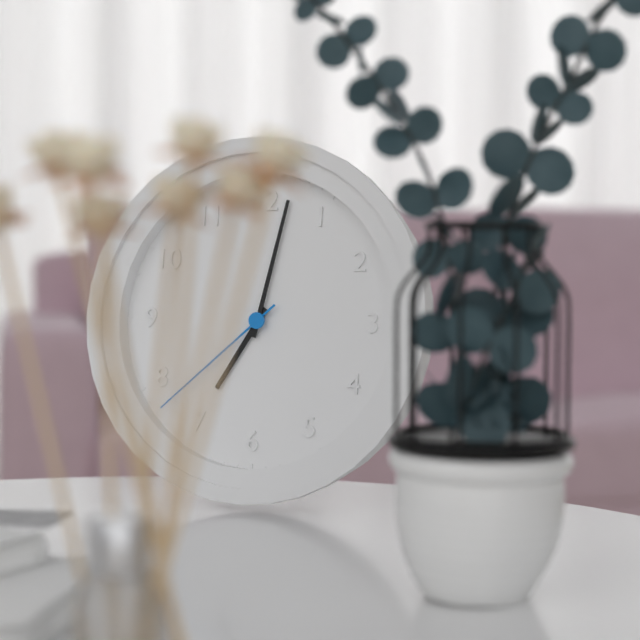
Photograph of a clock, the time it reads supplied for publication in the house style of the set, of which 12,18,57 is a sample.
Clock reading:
7,02,38
